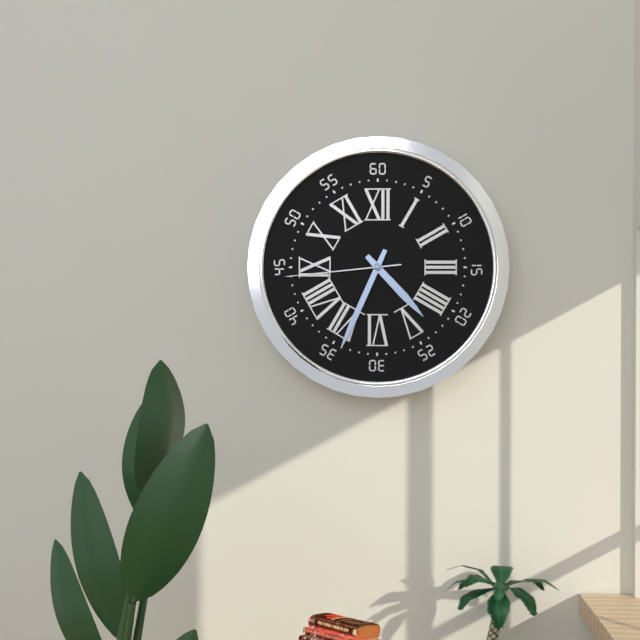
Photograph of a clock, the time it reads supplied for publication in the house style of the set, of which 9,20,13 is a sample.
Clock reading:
4,34,44
